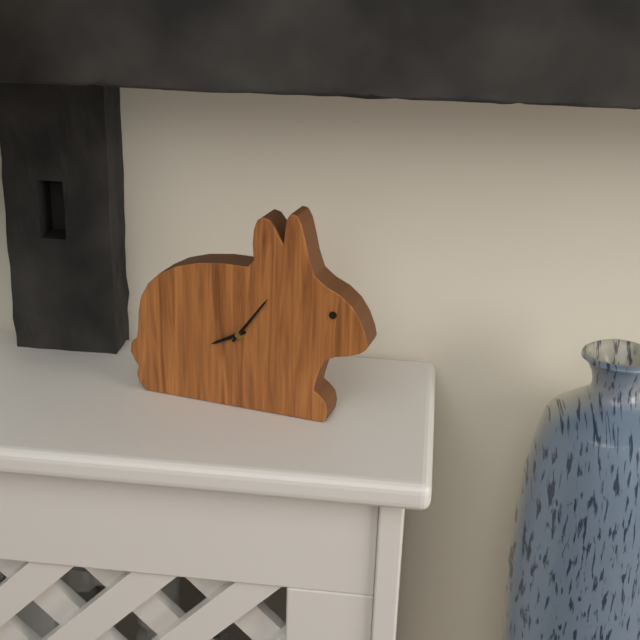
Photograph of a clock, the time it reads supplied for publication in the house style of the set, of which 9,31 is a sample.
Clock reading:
8,06
